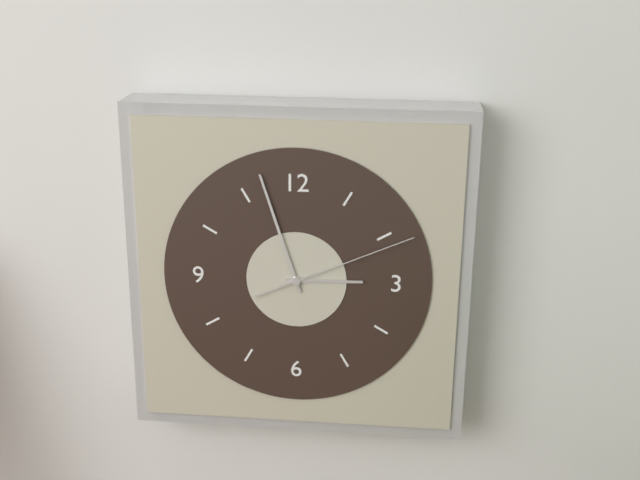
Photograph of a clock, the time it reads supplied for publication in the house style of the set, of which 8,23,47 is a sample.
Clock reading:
2,57,11
